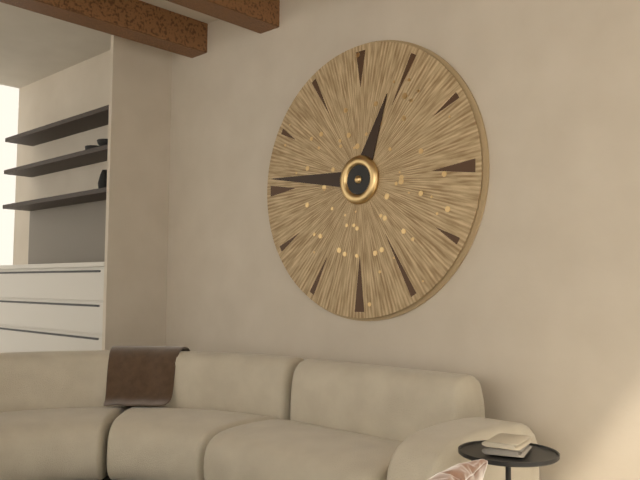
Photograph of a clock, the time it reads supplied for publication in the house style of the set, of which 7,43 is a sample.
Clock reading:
12,46
